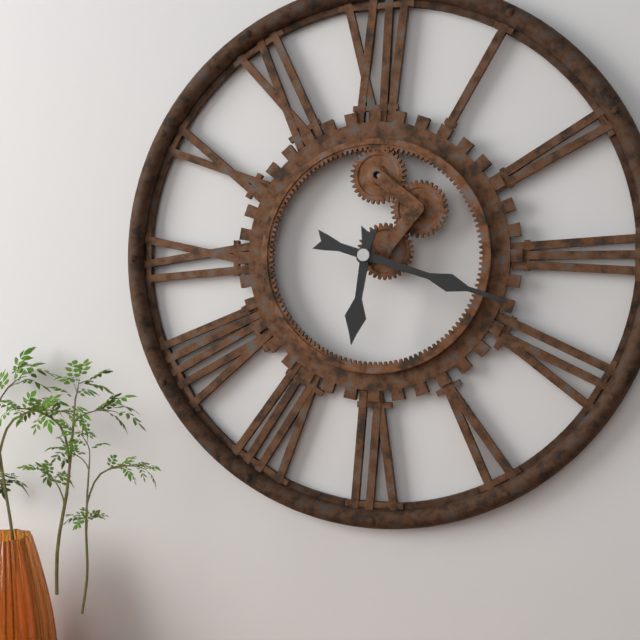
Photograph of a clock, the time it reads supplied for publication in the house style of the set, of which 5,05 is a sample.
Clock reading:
6,18
